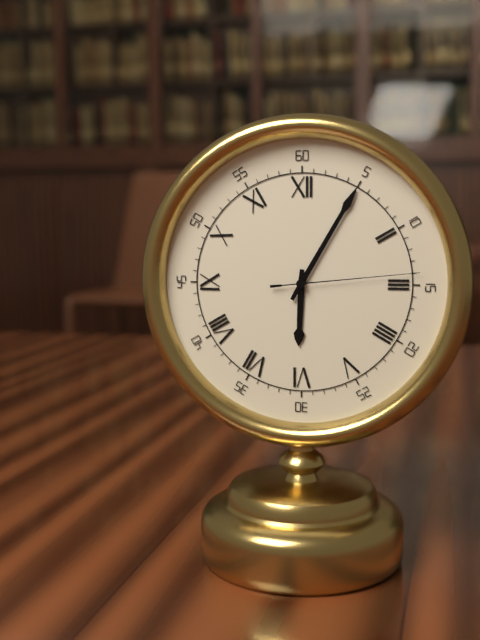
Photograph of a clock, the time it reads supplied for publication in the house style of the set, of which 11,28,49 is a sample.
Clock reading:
6,05,14
